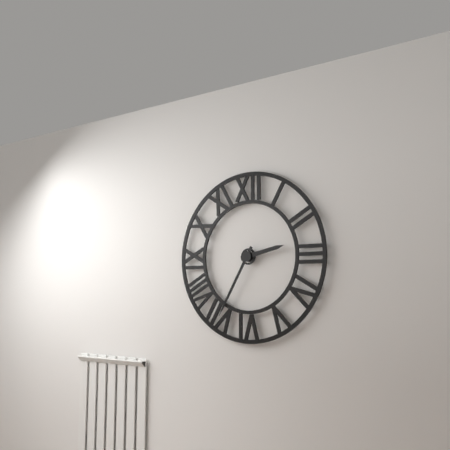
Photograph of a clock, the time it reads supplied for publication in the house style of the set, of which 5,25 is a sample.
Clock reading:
2,35
